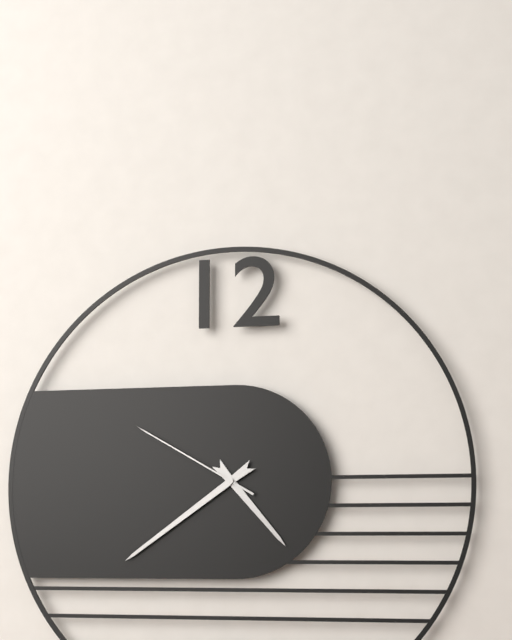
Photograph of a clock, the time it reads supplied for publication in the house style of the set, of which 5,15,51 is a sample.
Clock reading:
4,39,50
